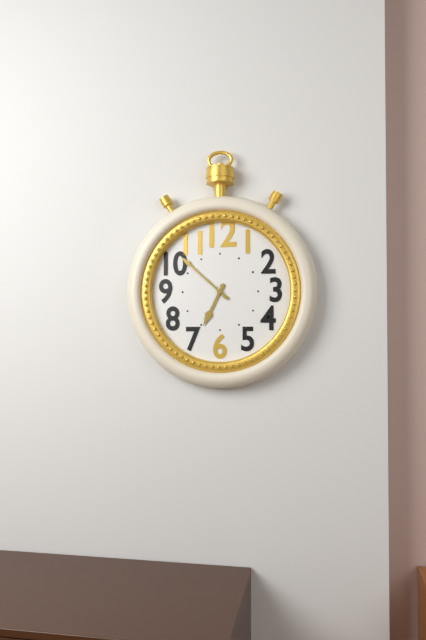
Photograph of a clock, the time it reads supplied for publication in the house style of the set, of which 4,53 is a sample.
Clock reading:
6,52
